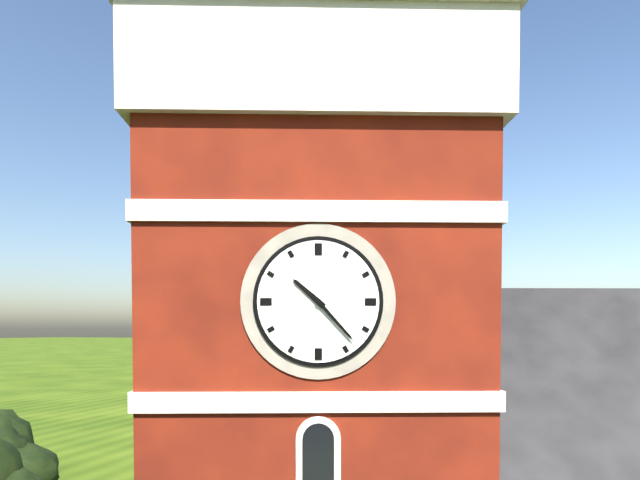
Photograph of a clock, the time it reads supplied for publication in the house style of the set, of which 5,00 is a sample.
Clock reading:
10,23
